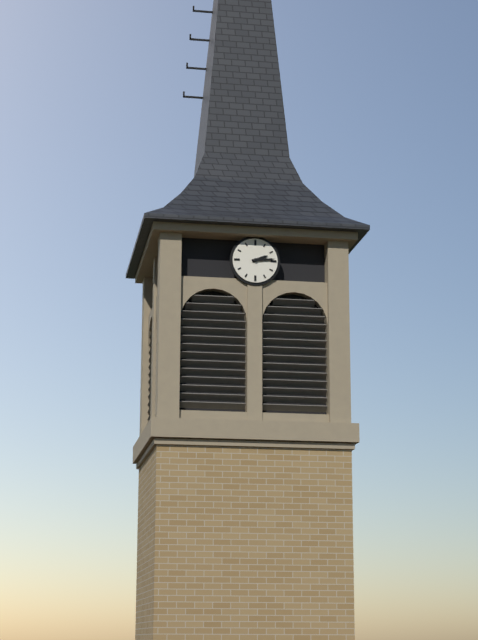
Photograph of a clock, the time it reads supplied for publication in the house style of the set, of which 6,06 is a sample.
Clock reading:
2,14
